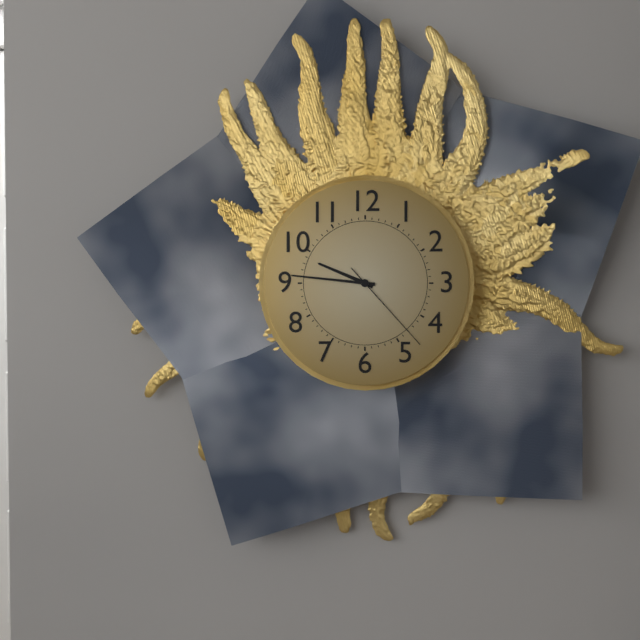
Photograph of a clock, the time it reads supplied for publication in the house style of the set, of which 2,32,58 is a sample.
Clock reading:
9,46,23
